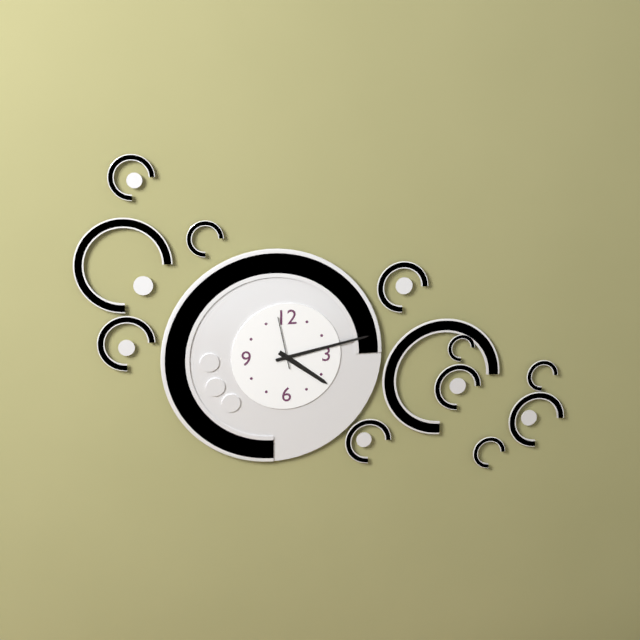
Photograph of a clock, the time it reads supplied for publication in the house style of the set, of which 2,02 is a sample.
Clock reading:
4,13
